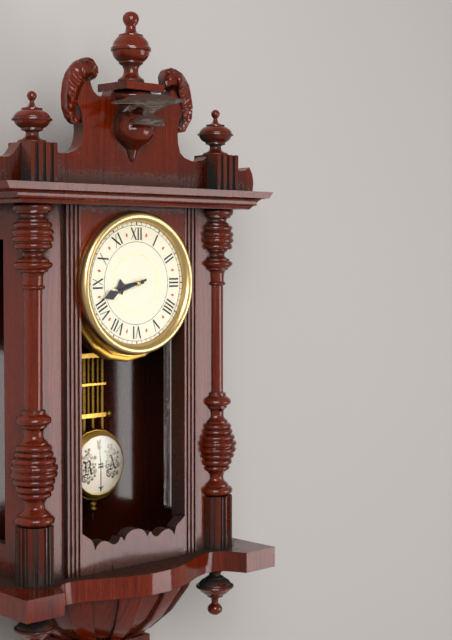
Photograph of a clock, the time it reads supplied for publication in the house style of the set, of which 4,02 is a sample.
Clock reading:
8,42
